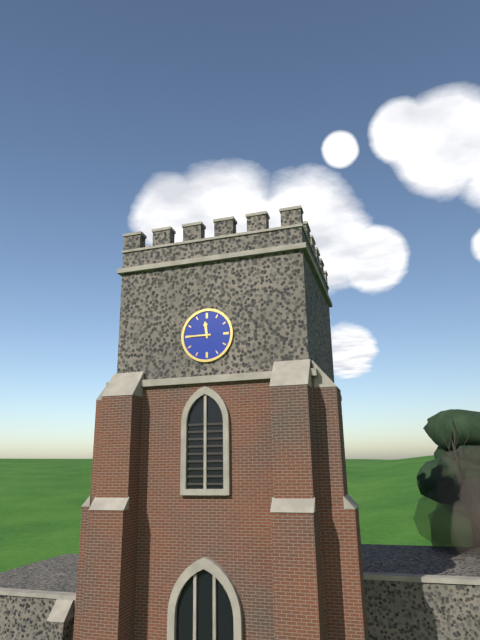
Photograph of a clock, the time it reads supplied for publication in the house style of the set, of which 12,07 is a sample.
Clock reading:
11,45
